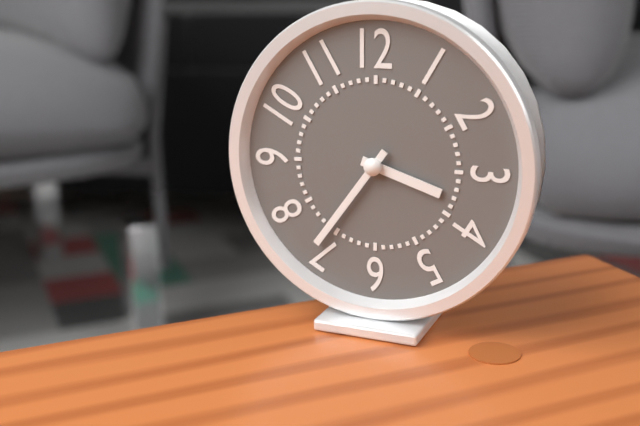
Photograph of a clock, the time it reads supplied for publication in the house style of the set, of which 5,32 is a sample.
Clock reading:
3,36
